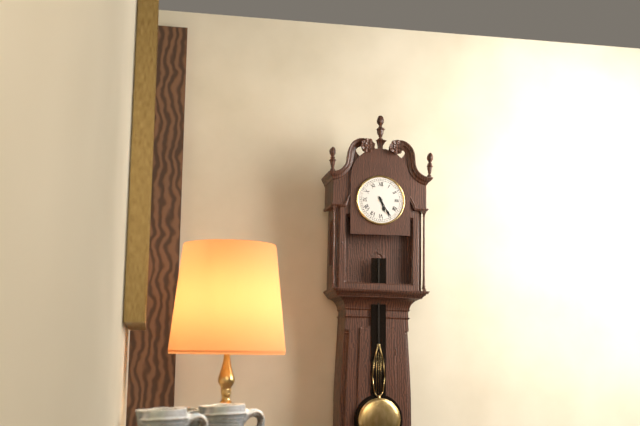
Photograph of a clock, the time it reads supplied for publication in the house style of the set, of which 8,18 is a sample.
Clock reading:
5,25
